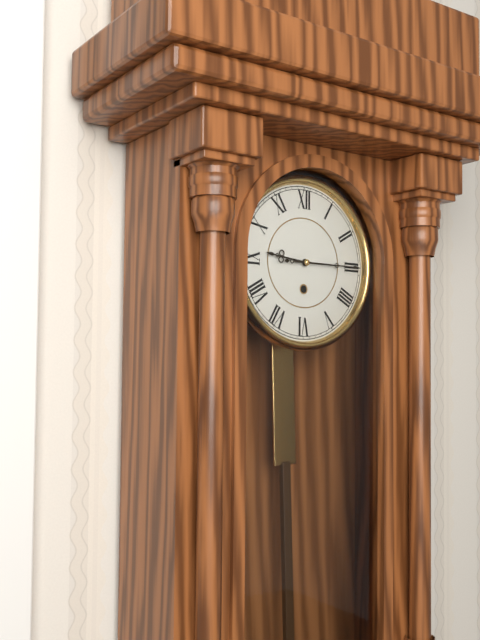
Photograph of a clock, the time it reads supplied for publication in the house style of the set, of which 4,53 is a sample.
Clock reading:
9,15
